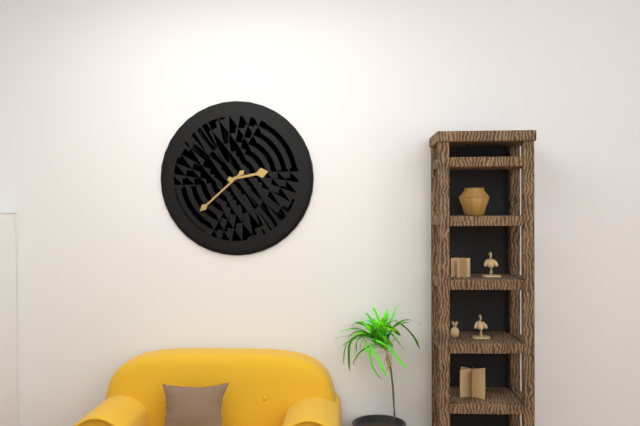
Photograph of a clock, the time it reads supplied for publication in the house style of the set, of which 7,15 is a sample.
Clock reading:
2,38
